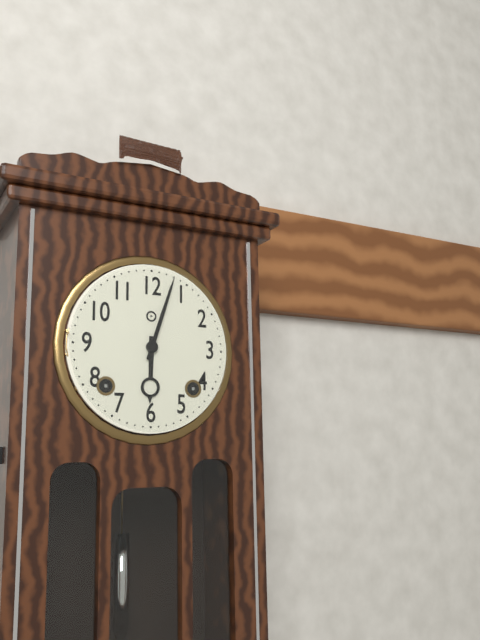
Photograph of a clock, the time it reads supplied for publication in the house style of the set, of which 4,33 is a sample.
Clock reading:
6,03
